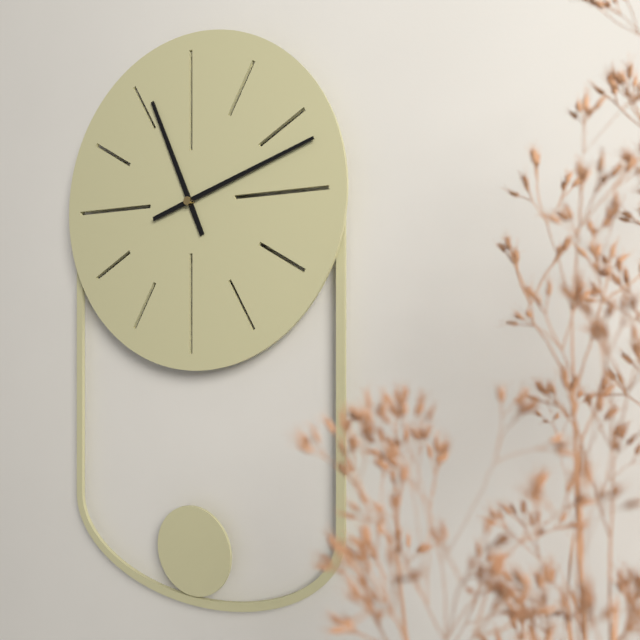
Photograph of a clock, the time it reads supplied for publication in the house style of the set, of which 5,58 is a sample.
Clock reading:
11,12
